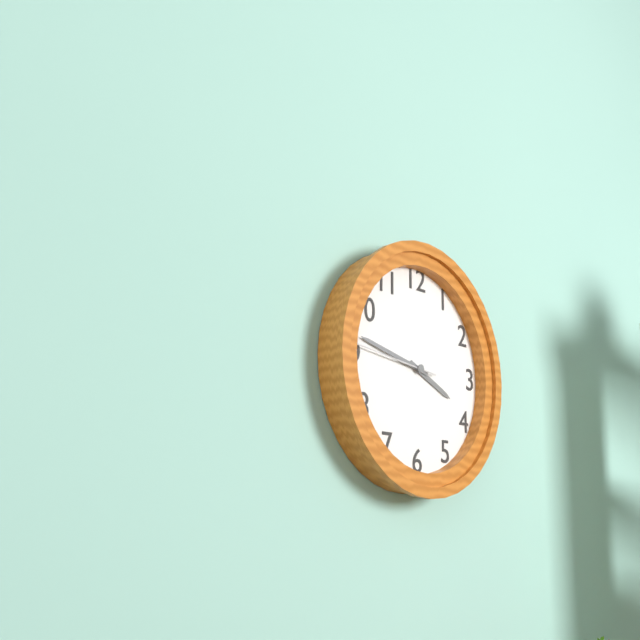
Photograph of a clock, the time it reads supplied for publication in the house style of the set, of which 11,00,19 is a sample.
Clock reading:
3,47,46
